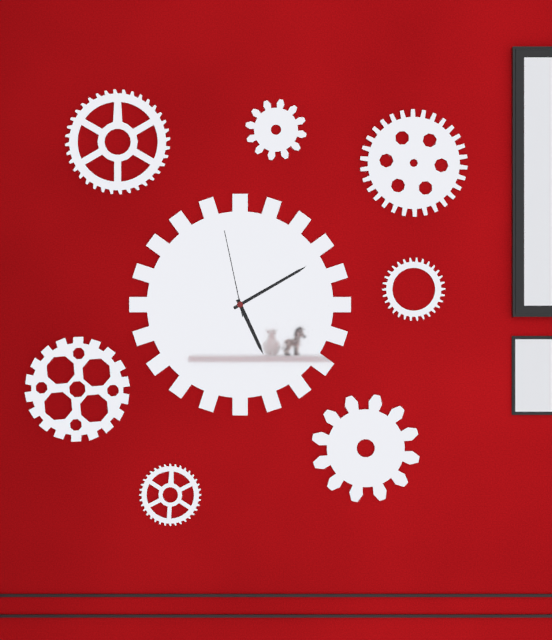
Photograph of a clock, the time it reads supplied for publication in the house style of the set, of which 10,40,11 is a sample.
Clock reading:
5,10,58
